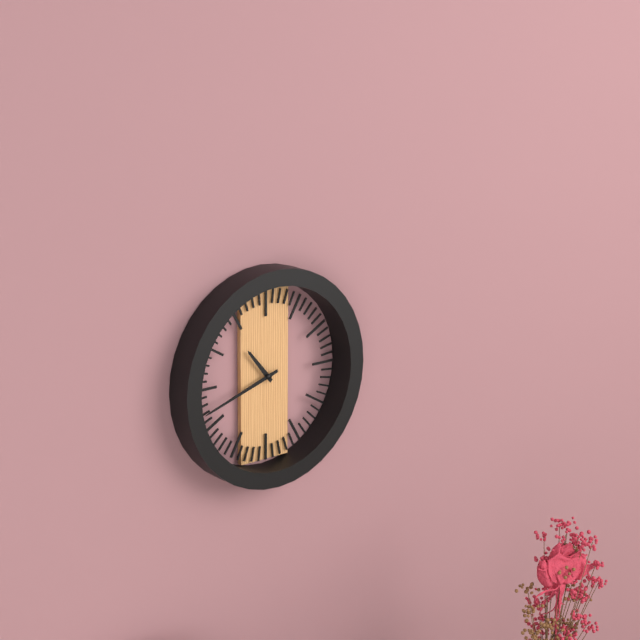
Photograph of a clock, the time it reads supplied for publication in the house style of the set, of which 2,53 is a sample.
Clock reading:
10,42
